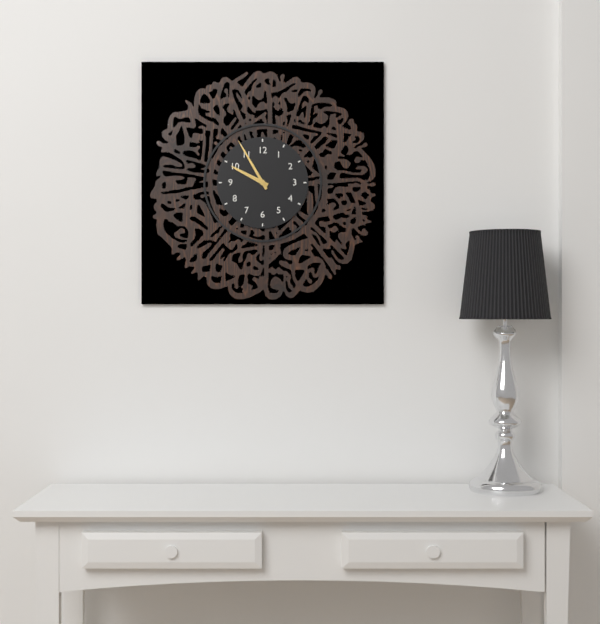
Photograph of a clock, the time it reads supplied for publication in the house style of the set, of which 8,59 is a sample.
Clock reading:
9,55
